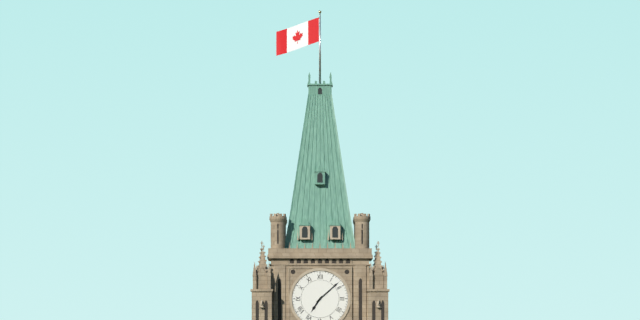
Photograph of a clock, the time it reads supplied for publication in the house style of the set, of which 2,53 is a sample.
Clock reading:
7,08
